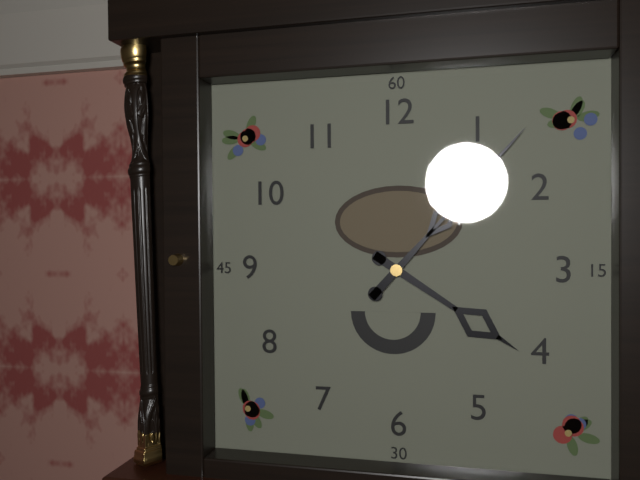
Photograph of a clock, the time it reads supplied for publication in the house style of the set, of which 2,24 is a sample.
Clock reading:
4,07
